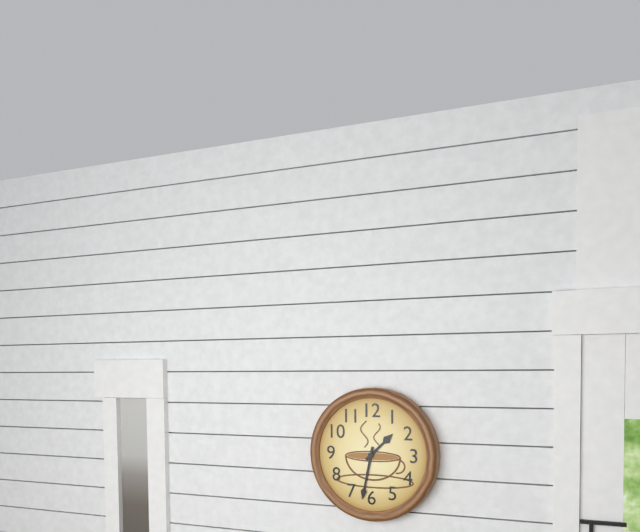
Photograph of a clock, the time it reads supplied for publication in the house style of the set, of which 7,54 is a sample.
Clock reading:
1,32
